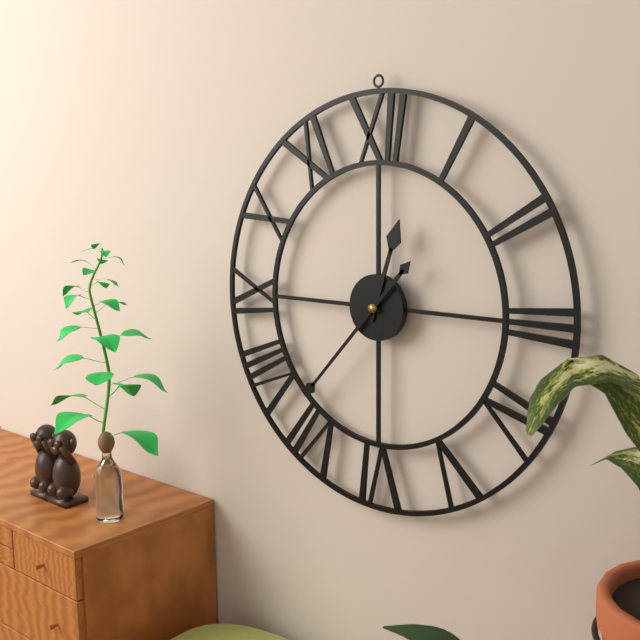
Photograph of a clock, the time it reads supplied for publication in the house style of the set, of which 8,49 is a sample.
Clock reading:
12,37
